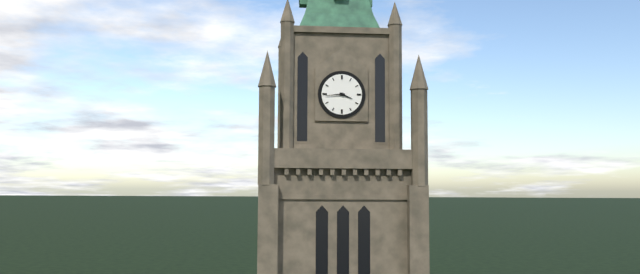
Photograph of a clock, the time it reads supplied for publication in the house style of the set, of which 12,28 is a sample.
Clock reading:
3,44
